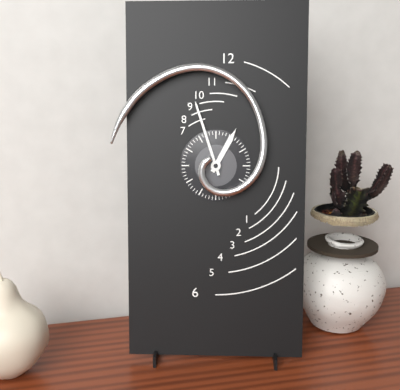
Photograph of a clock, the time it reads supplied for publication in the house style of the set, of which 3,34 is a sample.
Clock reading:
12,57
